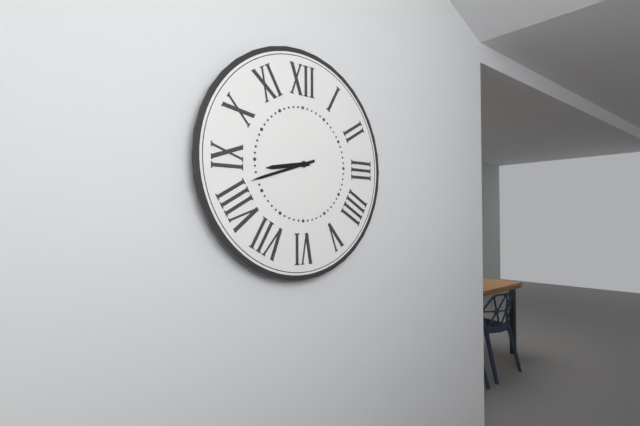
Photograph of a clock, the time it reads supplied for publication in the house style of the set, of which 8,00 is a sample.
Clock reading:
8,42
